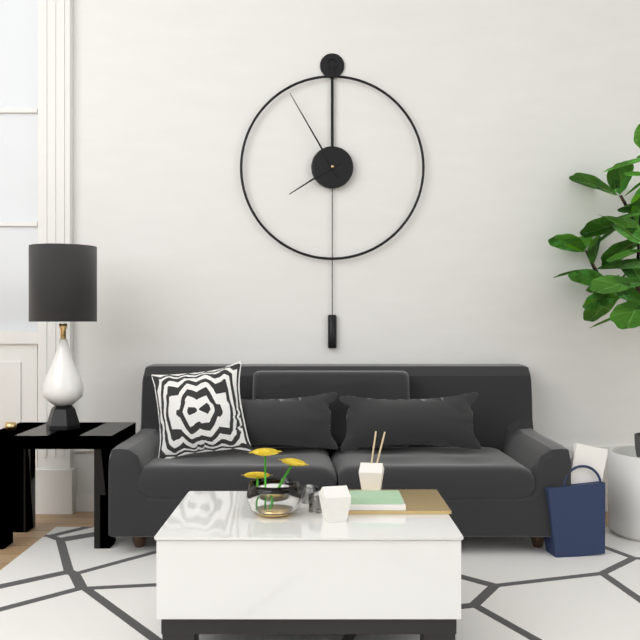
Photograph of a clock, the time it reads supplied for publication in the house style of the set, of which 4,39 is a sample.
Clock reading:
7,55
